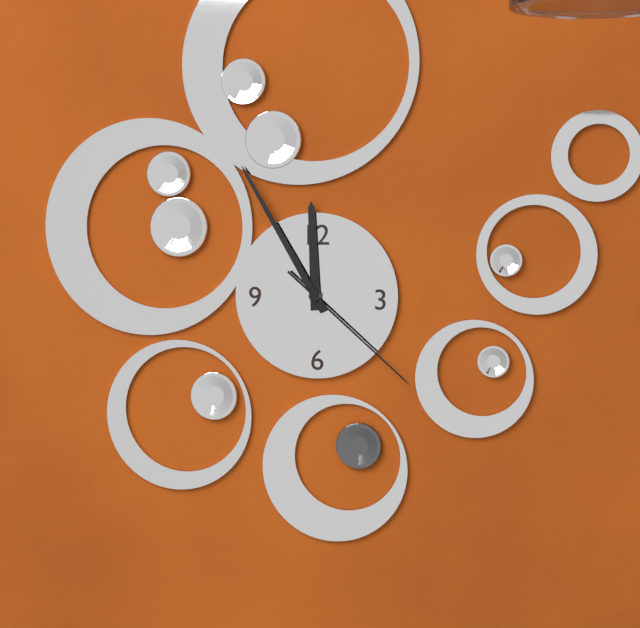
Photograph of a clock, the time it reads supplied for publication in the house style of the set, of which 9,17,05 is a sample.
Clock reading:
11,55,22
